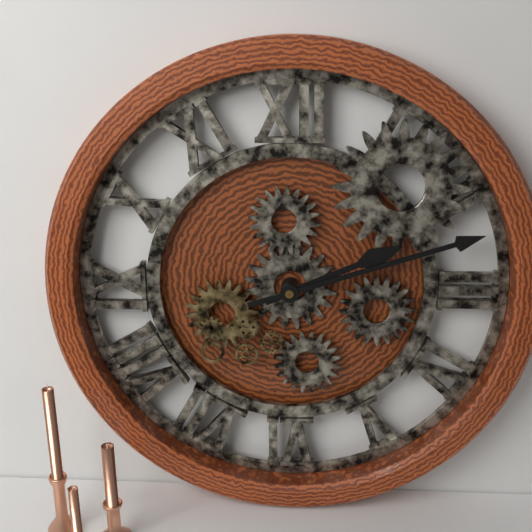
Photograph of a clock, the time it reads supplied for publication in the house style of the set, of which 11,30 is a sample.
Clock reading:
2,12
